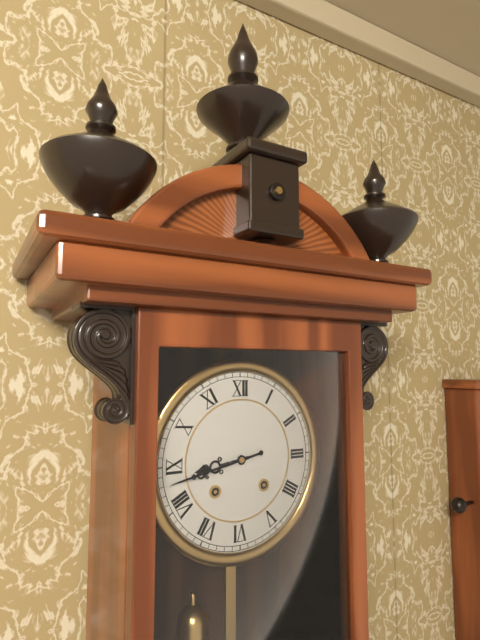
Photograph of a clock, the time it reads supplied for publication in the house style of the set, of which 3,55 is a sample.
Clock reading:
8,43
